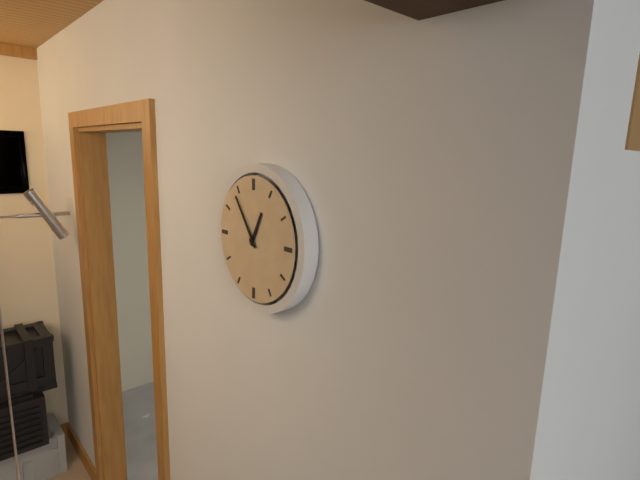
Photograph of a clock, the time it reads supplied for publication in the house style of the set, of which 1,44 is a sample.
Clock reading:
12,54
